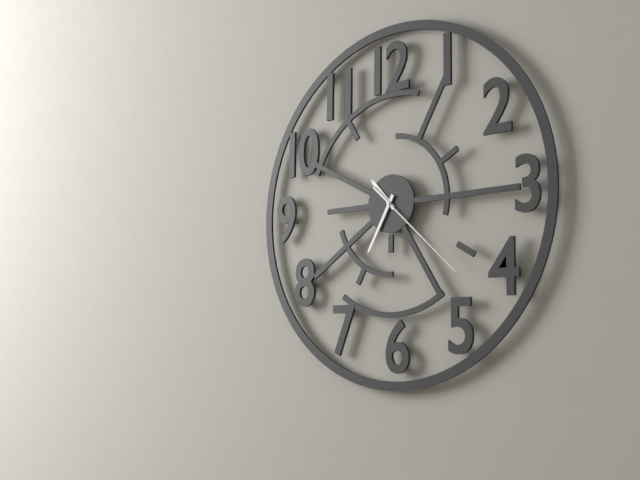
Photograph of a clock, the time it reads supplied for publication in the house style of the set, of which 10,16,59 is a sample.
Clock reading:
10,35,22
